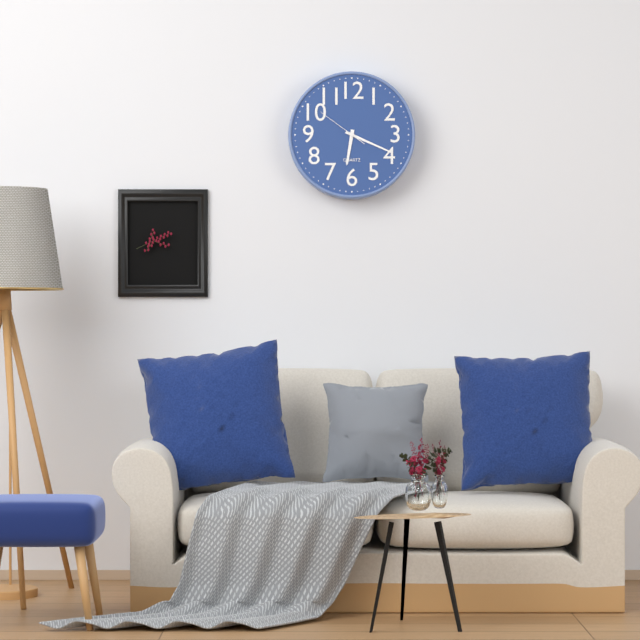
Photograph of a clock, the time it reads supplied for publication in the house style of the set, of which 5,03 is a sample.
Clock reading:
6,19
